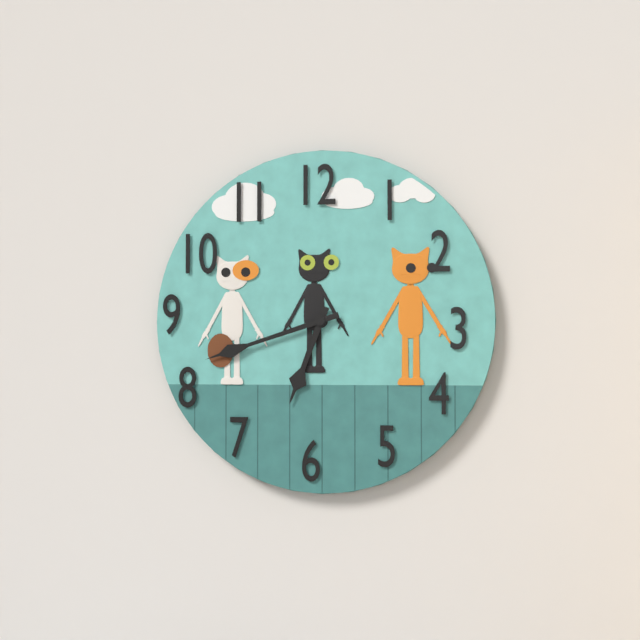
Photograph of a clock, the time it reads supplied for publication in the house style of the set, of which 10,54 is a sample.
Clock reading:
6,42
